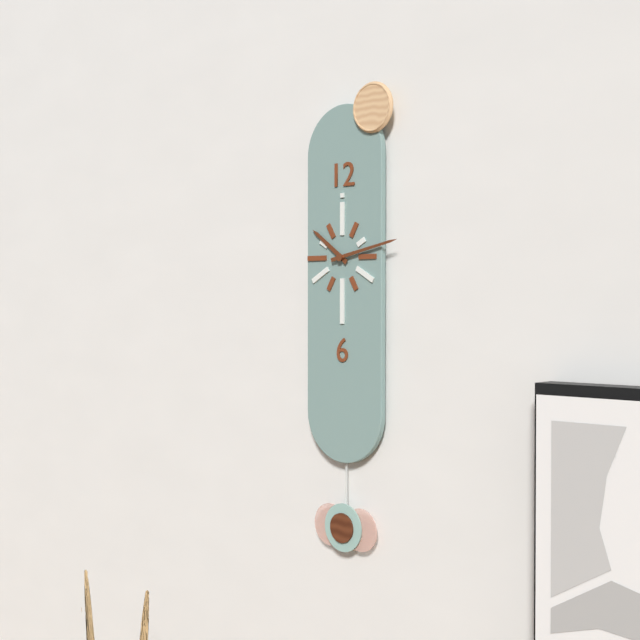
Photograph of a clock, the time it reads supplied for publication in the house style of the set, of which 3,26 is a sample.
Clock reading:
10,13
